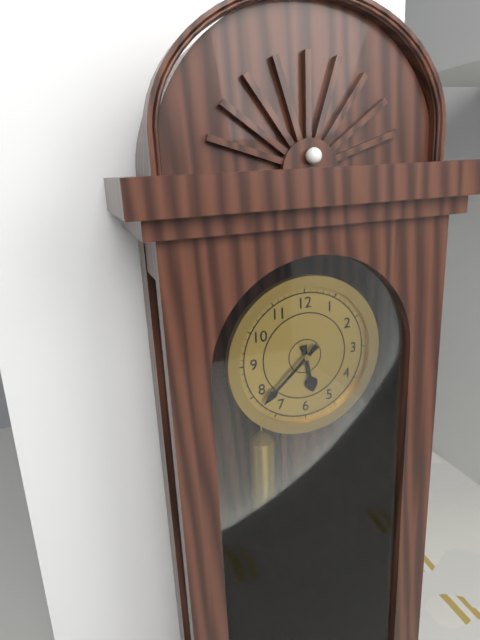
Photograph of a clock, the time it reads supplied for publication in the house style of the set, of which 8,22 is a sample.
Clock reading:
5,38
